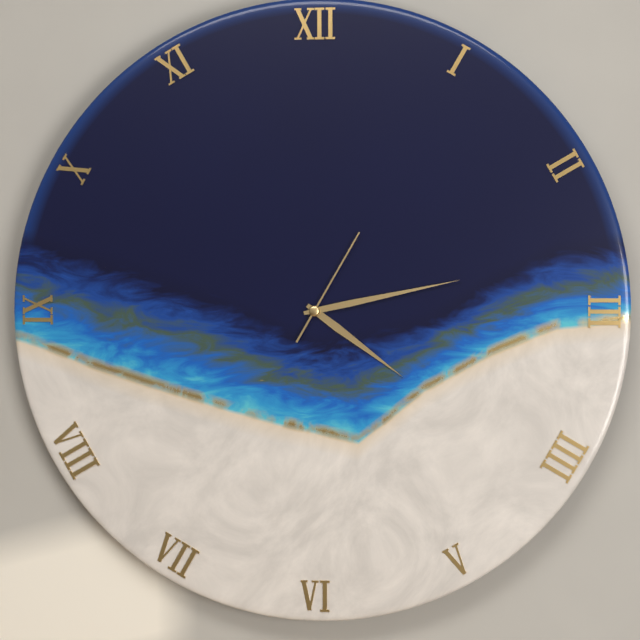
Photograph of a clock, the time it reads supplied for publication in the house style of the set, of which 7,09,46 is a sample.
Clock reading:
4,13,05
